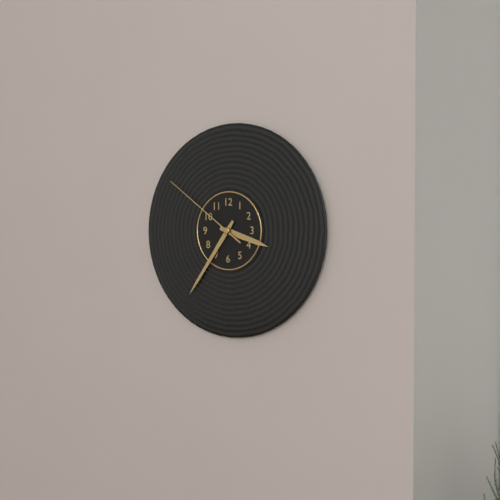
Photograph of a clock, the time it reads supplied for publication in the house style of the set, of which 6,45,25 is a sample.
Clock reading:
3,36,51
